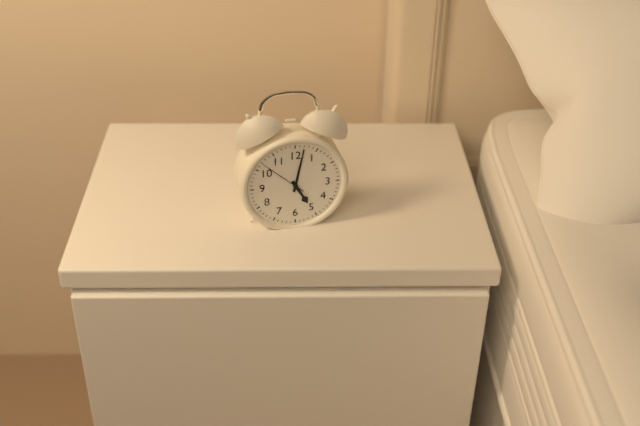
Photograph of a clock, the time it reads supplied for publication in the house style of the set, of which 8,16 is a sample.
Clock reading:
5,02
